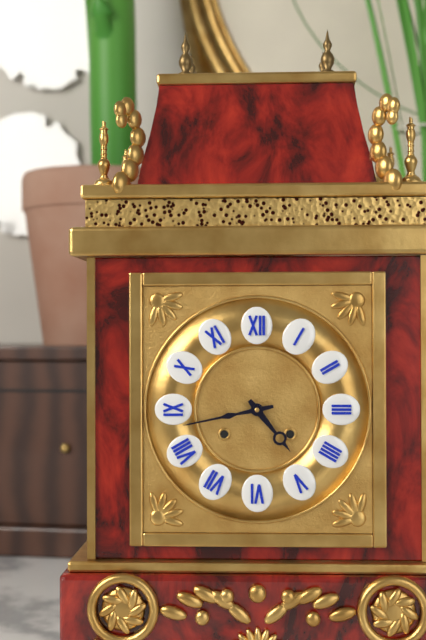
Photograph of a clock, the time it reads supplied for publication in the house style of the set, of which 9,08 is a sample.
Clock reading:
4,43
